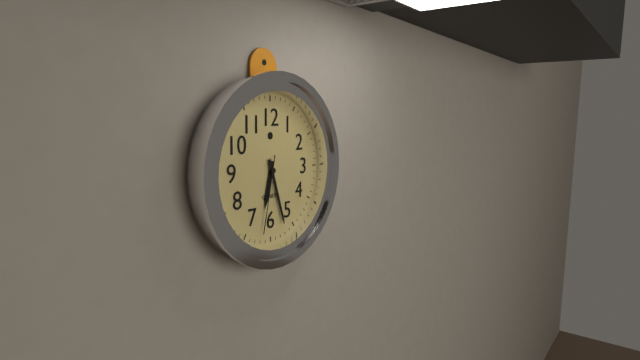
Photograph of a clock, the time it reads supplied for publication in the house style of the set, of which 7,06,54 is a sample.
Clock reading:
6,27,32
